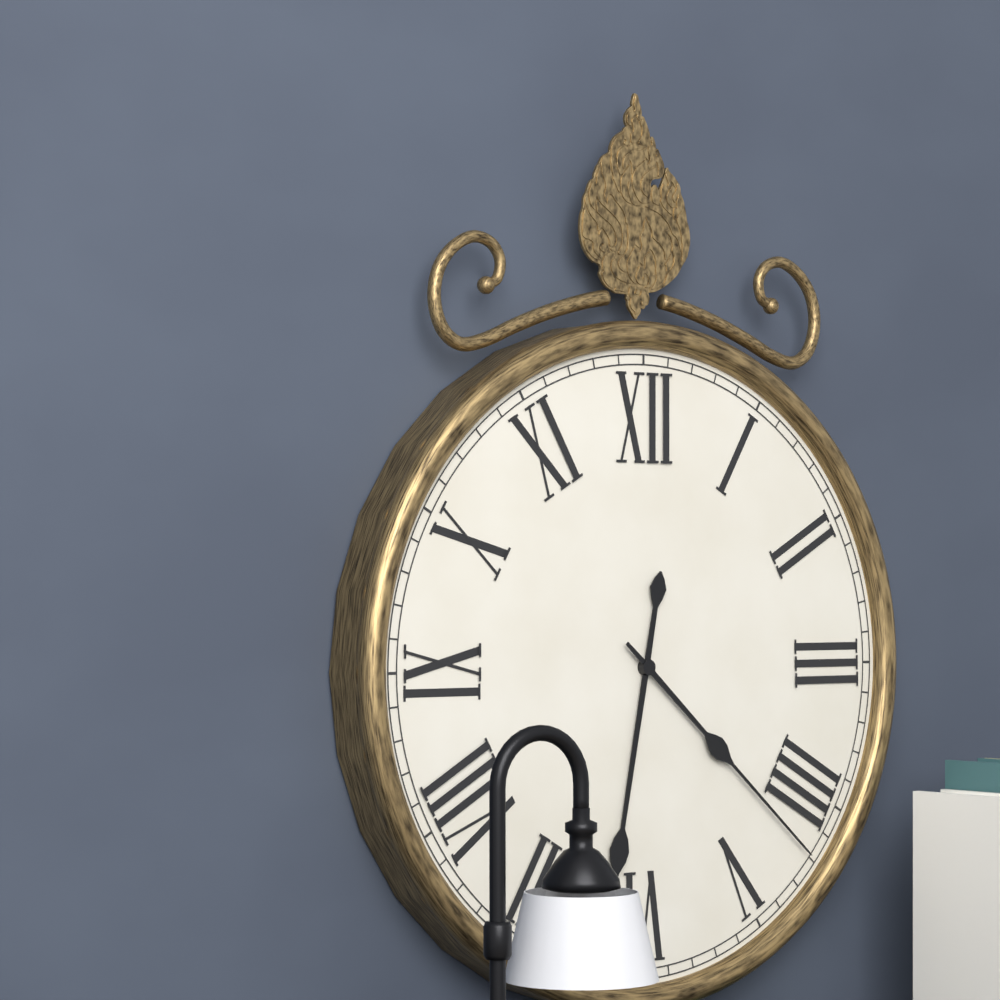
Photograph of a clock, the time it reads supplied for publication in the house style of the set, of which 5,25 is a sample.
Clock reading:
6,22
